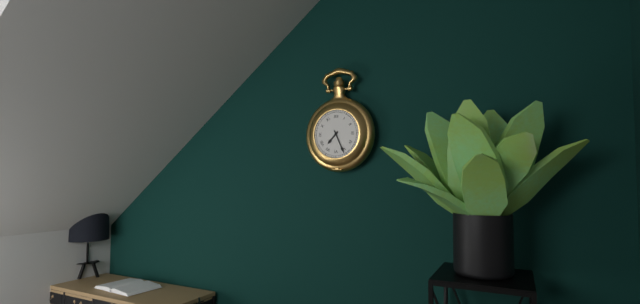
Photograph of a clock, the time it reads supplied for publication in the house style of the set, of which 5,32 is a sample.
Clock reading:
7,26
